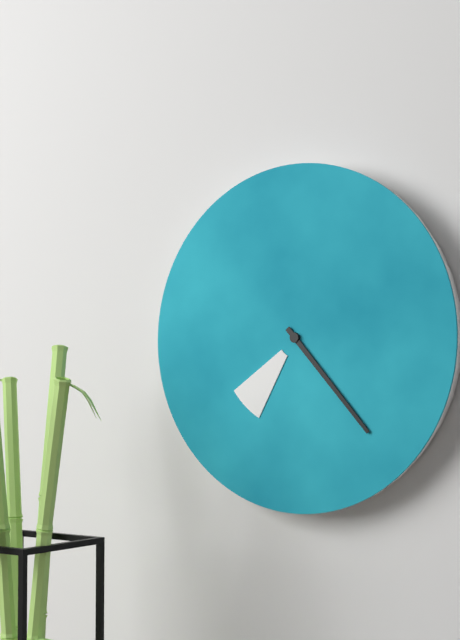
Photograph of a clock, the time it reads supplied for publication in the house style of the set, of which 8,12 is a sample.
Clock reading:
7,23
